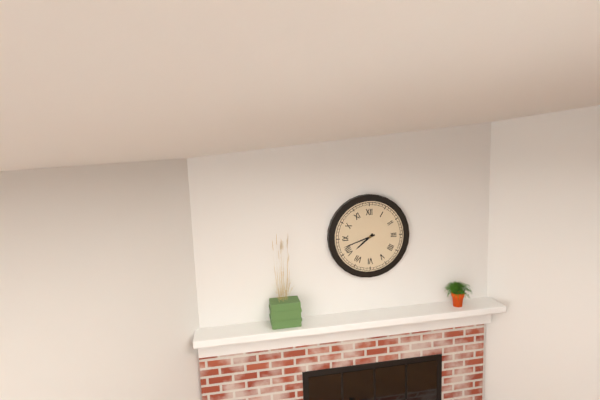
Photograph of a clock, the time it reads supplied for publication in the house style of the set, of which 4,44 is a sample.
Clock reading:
7,42
